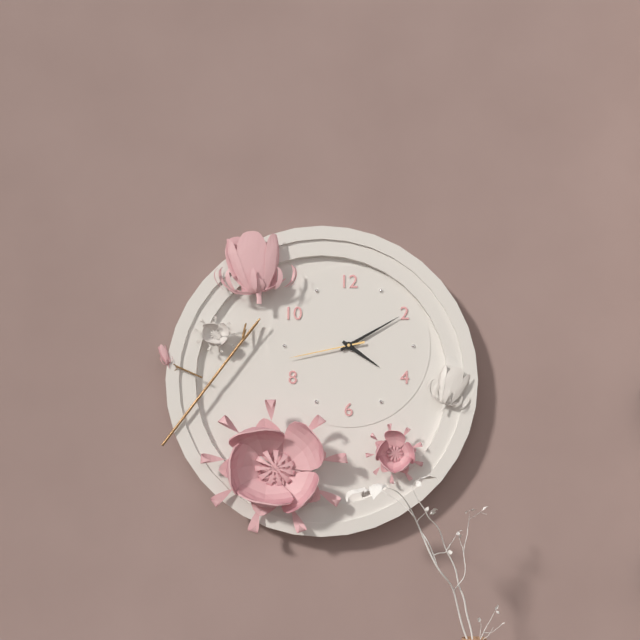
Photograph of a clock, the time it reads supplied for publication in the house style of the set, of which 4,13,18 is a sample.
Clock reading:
4,10,43
